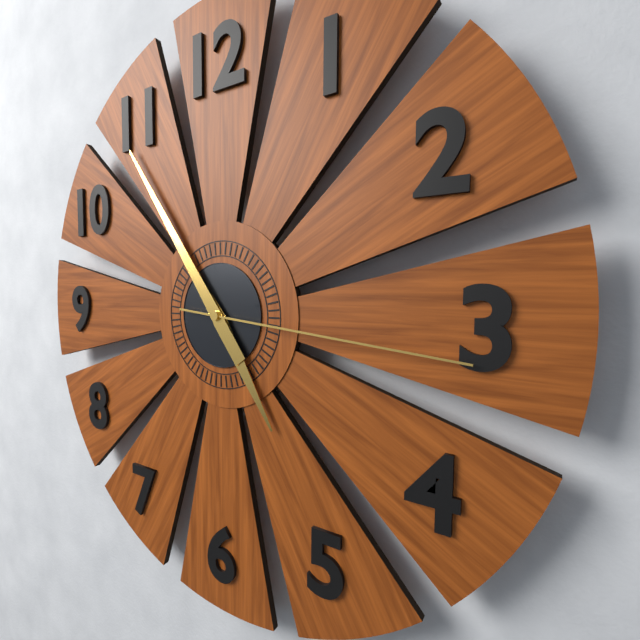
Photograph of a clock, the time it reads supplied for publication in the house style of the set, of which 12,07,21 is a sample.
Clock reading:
4,54,16
